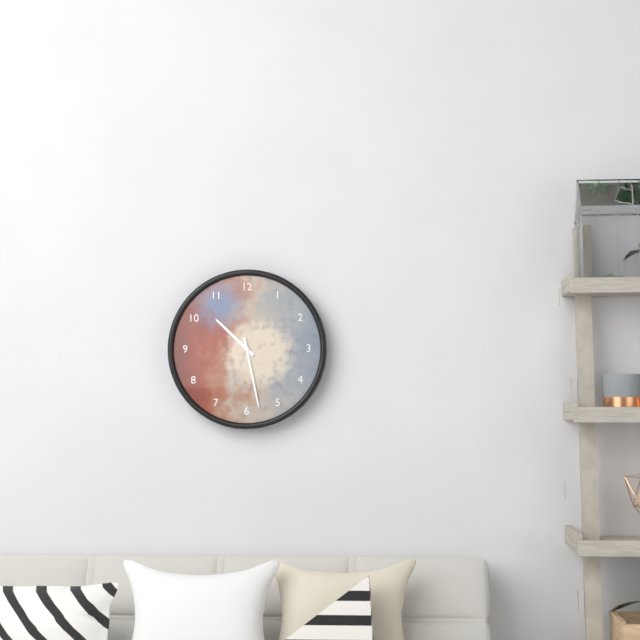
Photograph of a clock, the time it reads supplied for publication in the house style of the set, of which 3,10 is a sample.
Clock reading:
10,28
